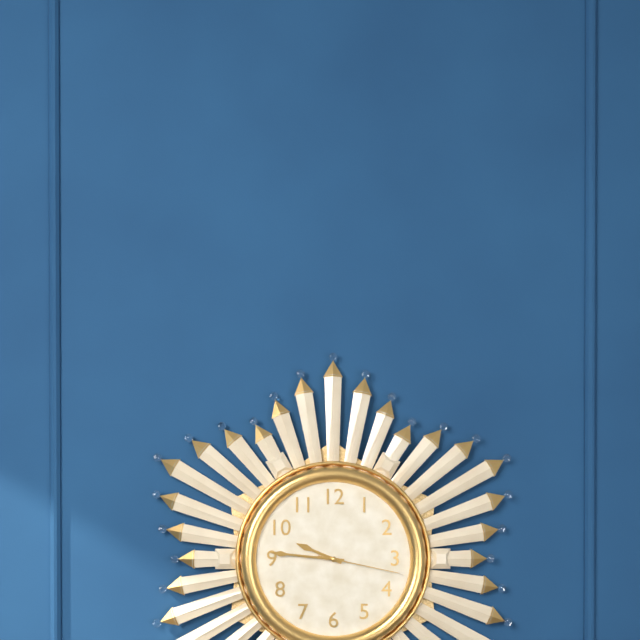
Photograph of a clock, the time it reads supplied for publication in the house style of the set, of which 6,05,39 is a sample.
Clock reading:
9,46,17
